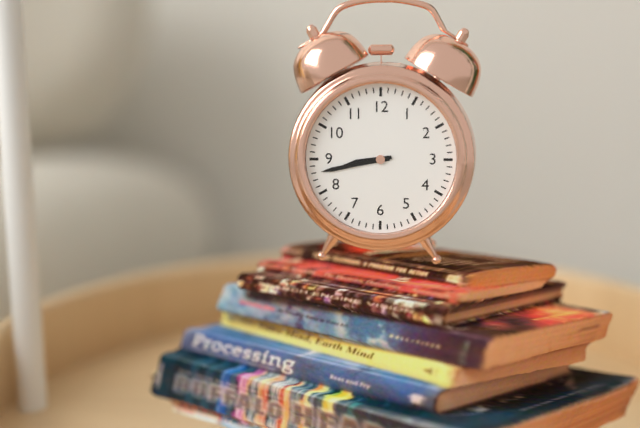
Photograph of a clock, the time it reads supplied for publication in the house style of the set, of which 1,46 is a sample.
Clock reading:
8,43
